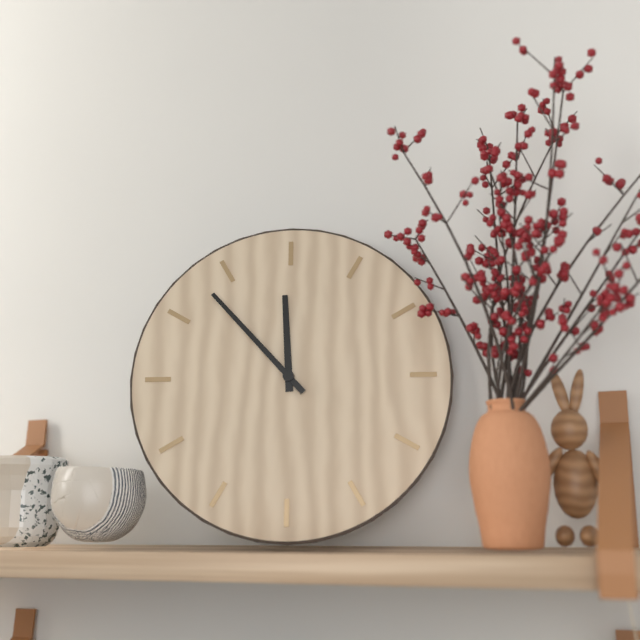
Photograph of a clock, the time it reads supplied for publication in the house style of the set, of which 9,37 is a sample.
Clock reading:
11,53
